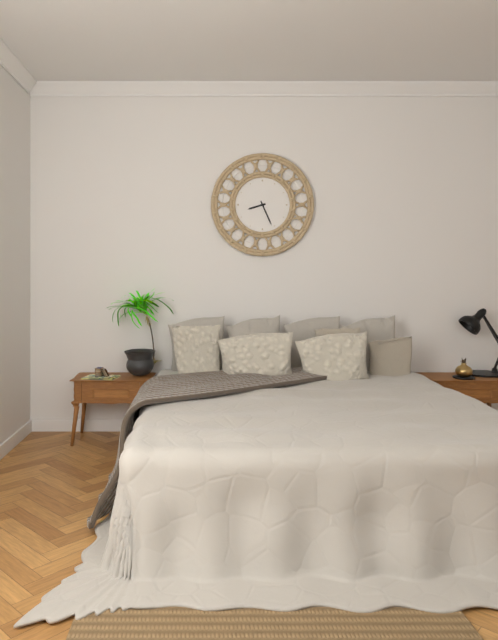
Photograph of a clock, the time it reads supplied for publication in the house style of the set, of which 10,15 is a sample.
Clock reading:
8,26
